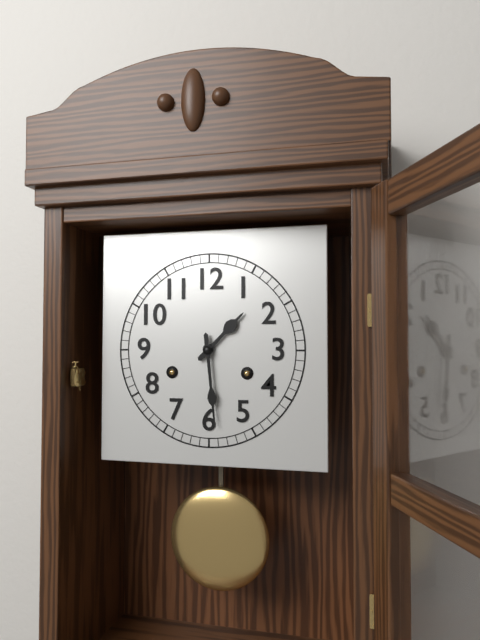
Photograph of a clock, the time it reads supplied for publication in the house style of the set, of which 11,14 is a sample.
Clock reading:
1,29
